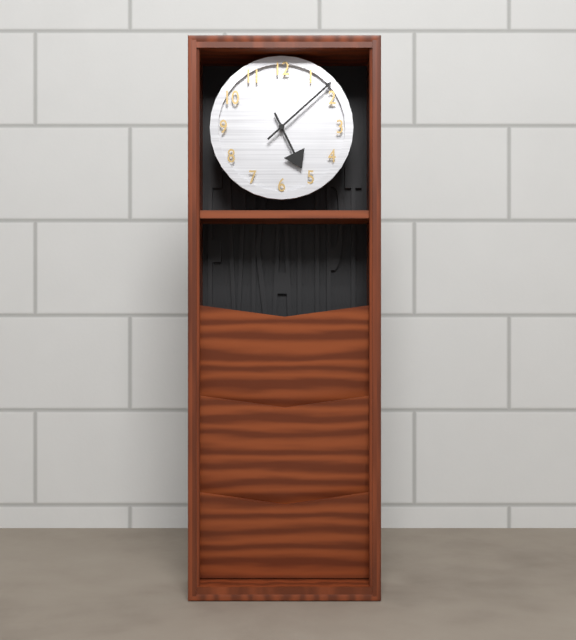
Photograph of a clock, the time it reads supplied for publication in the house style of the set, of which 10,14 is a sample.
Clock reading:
5,08
